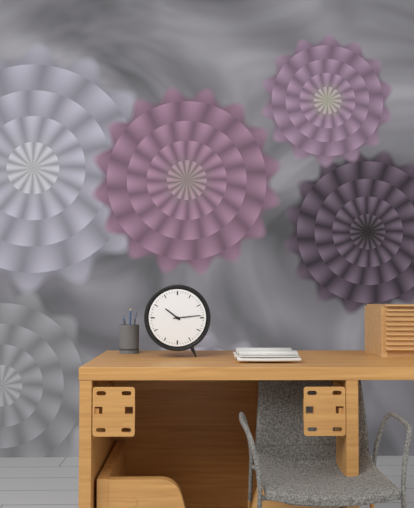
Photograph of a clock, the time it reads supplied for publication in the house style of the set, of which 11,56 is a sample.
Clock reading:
10,14
